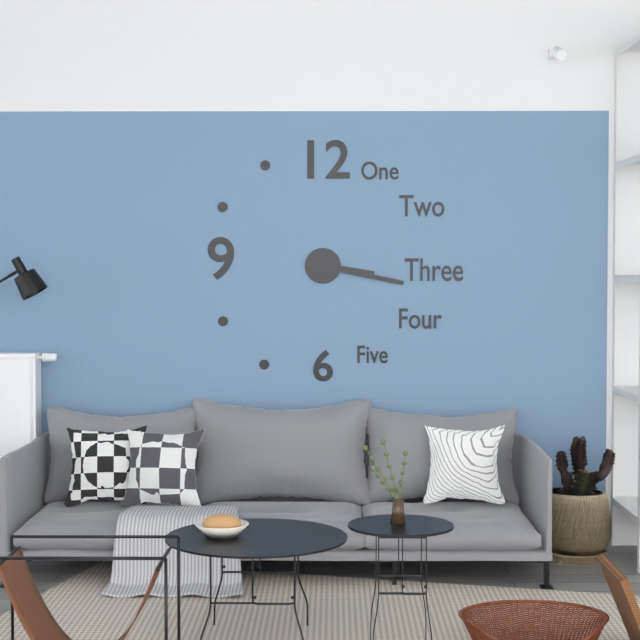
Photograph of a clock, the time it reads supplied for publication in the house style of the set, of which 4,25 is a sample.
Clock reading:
3,17
